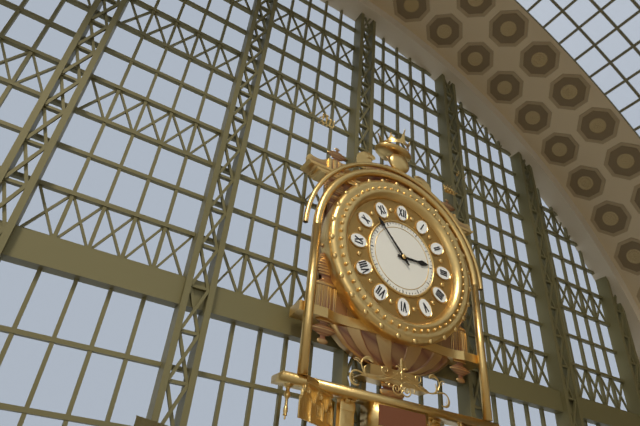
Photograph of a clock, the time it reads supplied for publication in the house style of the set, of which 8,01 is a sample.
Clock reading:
2,53
